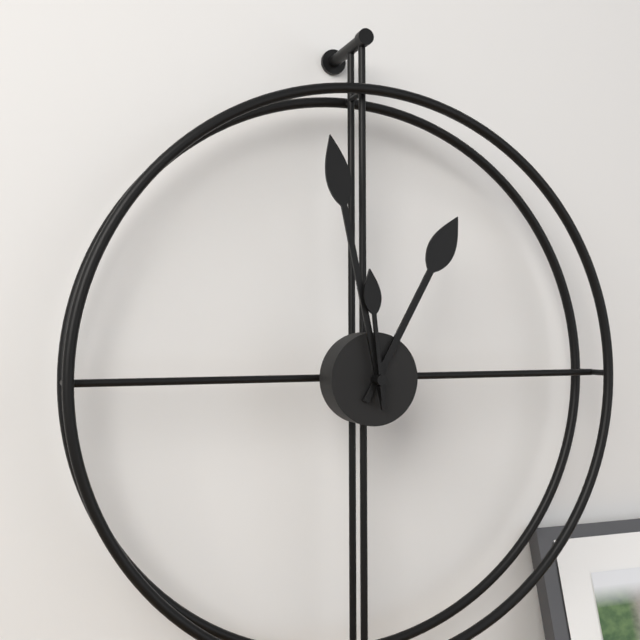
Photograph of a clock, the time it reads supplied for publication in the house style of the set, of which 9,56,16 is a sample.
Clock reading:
12,58,59
